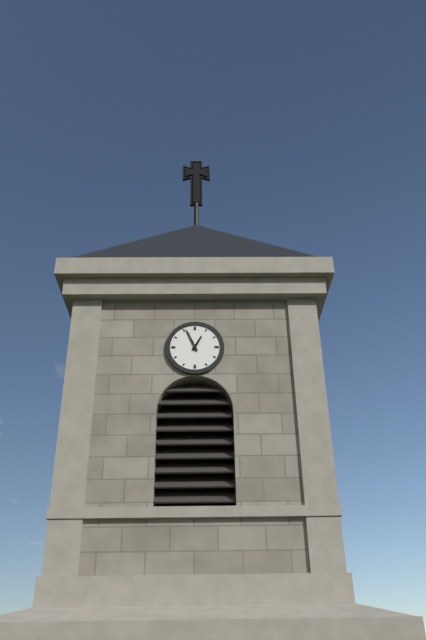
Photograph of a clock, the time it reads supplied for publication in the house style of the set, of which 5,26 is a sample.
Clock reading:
12,56
